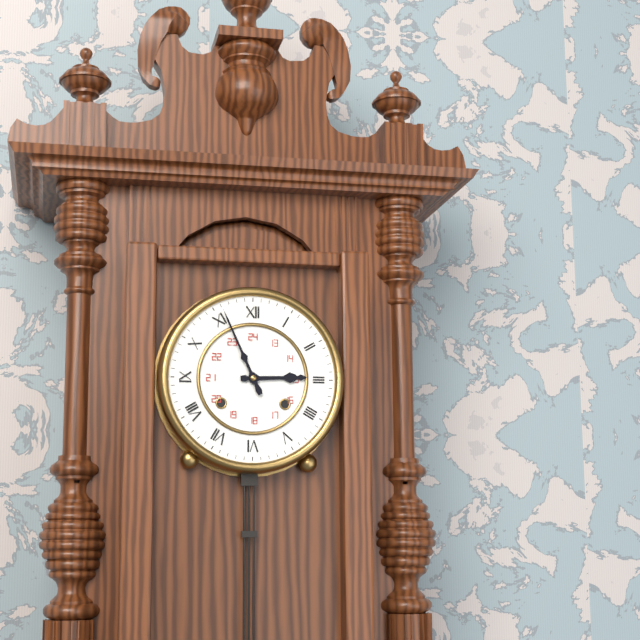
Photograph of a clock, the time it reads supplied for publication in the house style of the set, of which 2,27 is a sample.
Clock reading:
2,56
